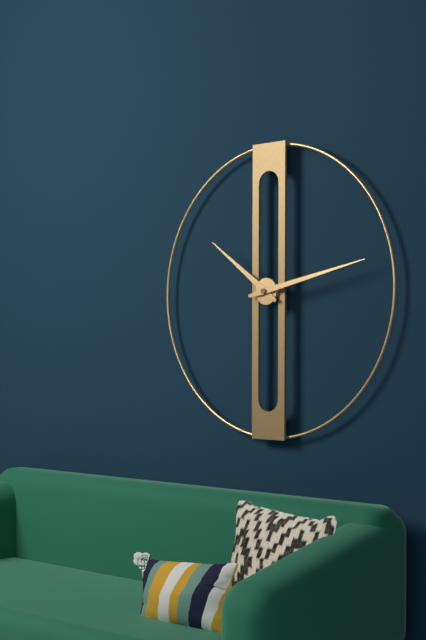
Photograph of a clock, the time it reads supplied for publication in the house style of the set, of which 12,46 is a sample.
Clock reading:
10,13
